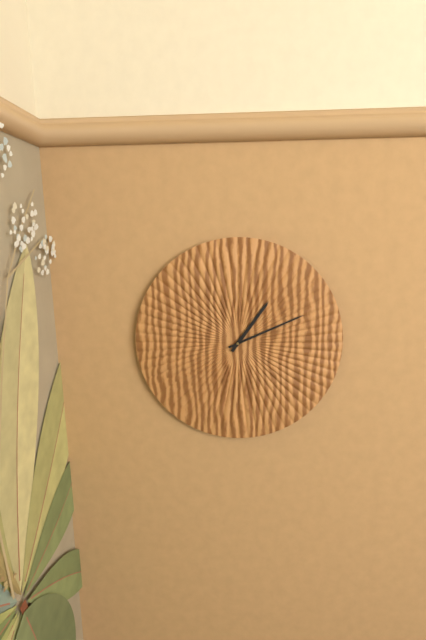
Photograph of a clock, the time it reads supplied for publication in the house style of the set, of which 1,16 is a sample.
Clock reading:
1,11
